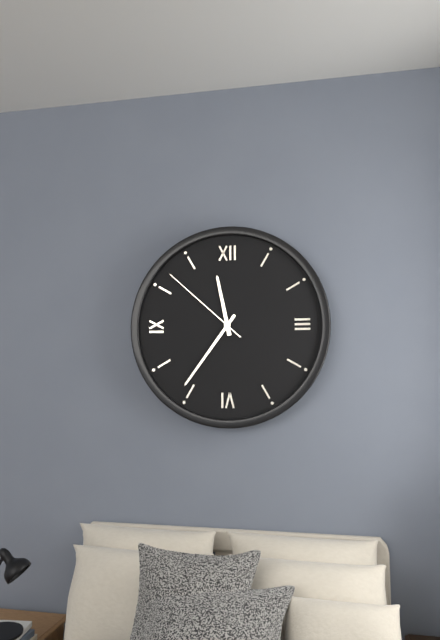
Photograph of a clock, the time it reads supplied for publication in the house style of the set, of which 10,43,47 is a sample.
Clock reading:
11,36,52
